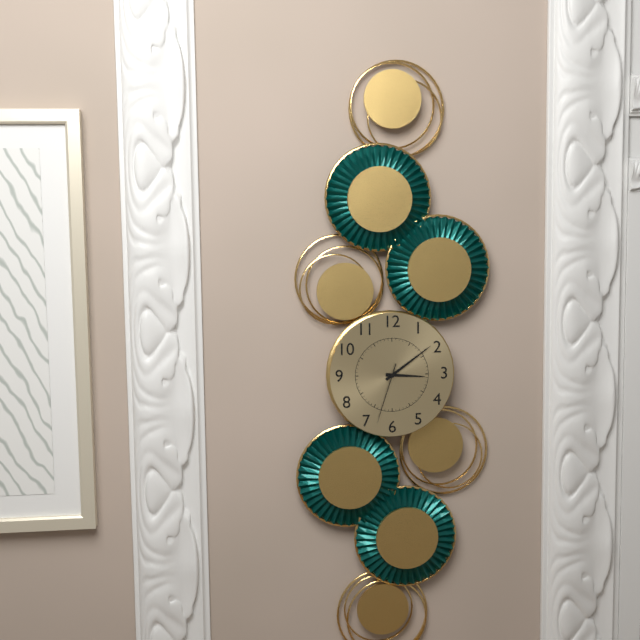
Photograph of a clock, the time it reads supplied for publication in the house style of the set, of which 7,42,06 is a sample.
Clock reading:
3,09,33
